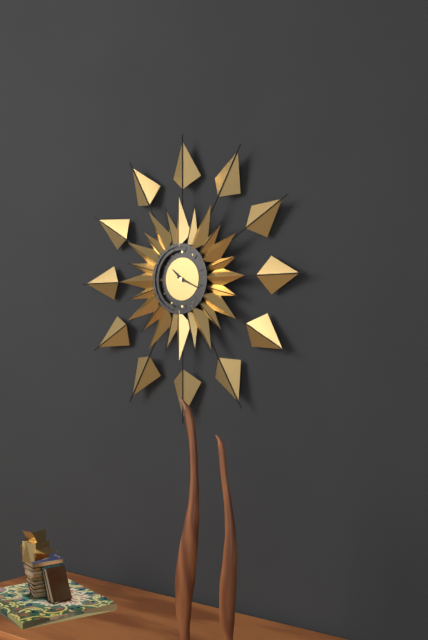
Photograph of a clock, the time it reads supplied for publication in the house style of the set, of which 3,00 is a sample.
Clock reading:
10,19
